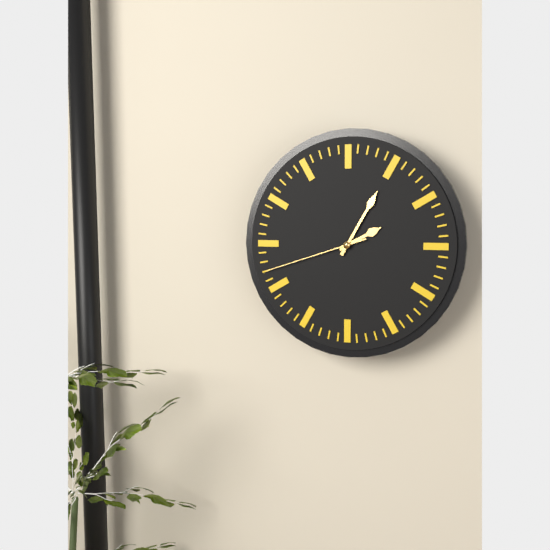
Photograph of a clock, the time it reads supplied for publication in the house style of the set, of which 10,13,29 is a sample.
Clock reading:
2,05,42
